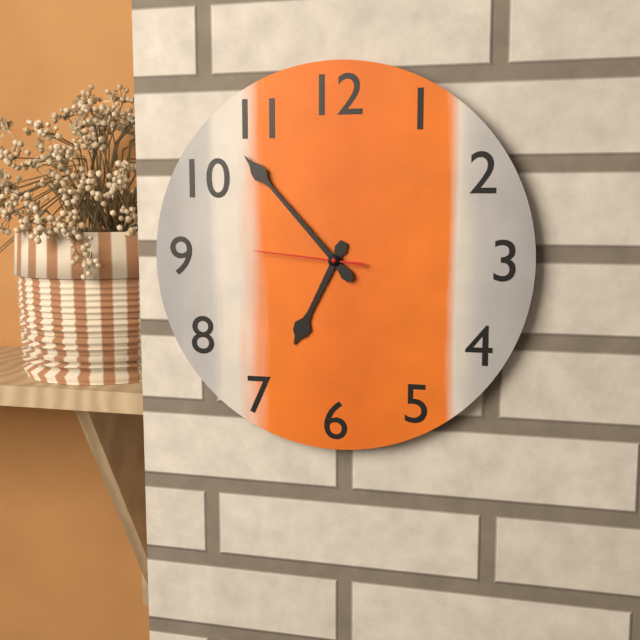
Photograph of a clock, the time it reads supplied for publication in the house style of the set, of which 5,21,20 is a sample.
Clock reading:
6,53,46
